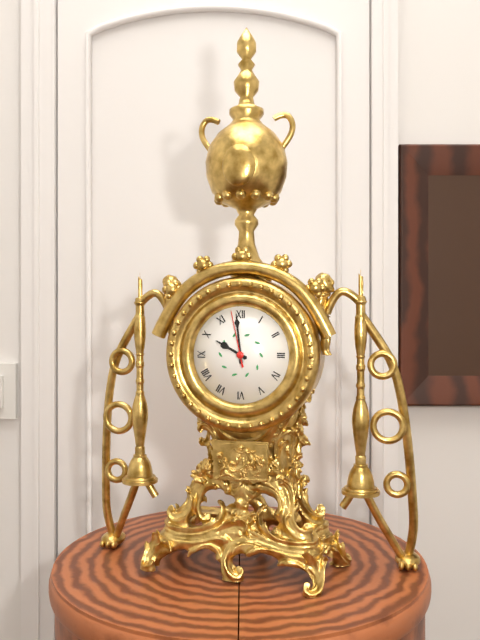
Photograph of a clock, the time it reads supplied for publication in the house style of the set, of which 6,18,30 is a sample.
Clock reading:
9,59,58
